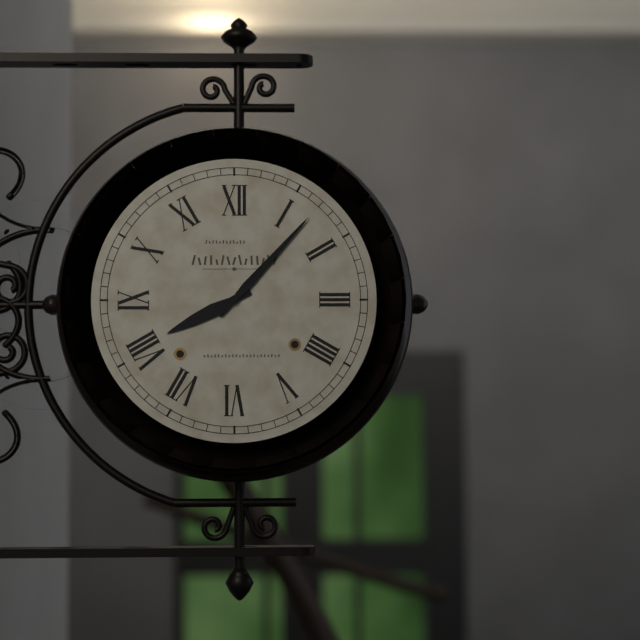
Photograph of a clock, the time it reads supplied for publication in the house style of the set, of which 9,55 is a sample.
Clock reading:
8,07
